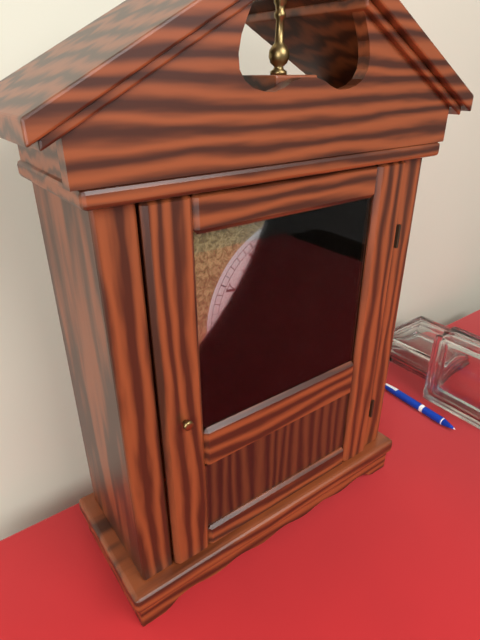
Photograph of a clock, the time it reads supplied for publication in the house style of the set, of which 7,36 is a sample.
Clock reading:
4,56
